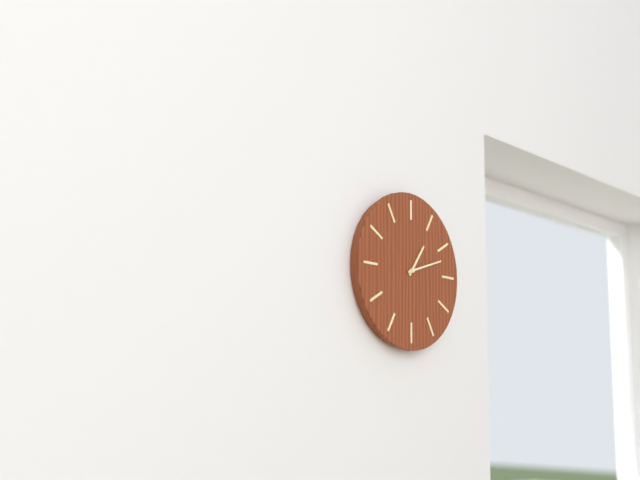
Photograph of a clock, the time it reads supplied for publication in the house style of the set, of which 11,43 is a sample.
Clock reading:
1,12
